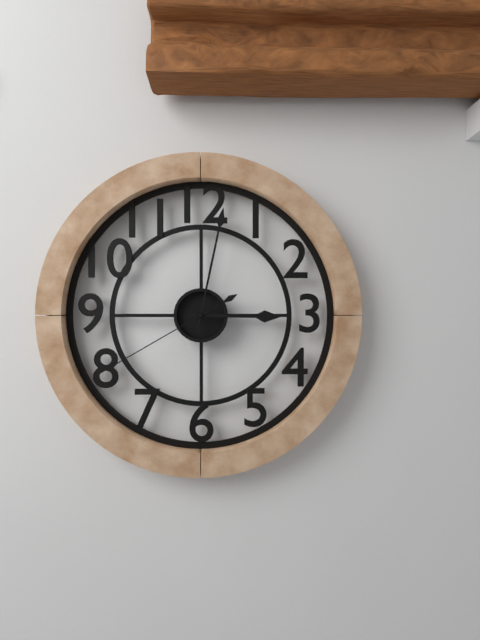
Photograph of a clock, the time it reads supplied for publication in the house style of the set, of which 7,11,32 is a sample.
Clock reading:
3,02,40
